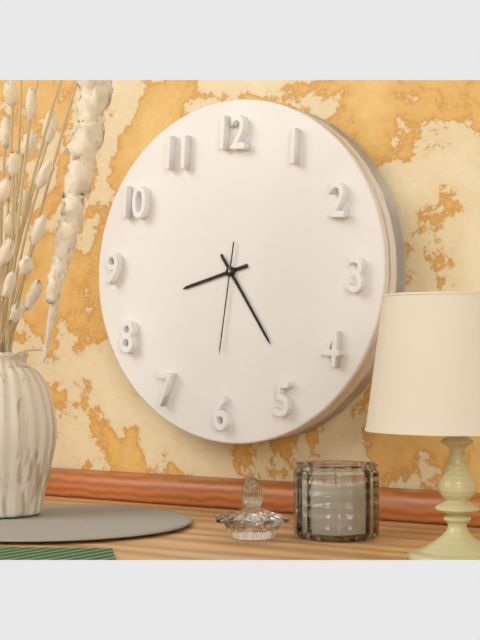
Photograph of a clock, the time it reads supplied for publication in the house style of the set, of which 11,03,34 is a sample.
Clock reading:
8,24,31
